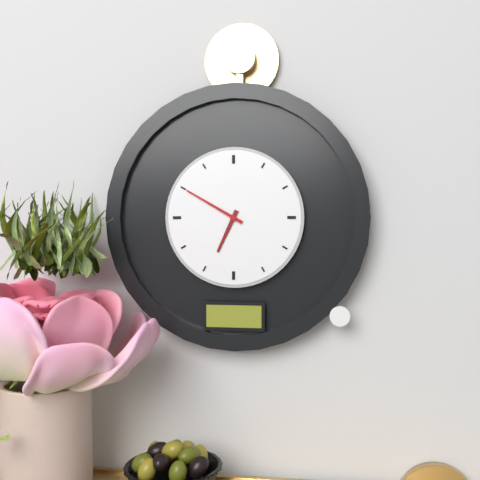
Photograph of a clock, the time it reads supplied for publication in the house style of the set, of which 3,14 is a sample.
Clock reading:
6,50
